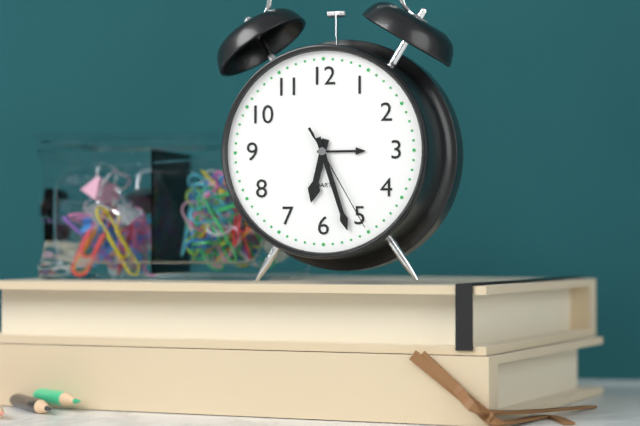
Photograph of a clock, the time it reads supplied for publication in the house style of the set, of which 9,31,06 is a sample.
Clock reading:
6,27,25
